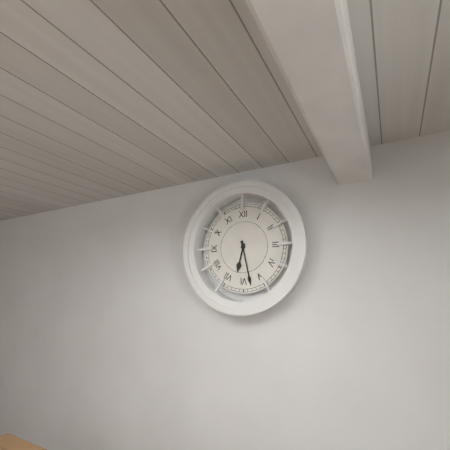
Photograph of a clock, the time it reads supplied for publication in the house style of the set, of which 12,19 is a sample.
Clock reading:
6,28
